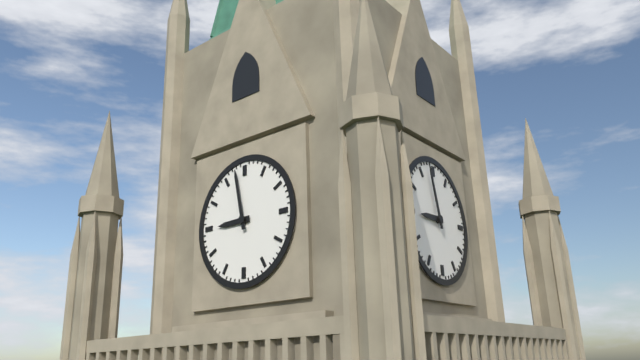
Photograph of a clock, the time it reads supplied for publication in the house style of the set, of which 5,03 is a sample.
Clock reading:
8,58
